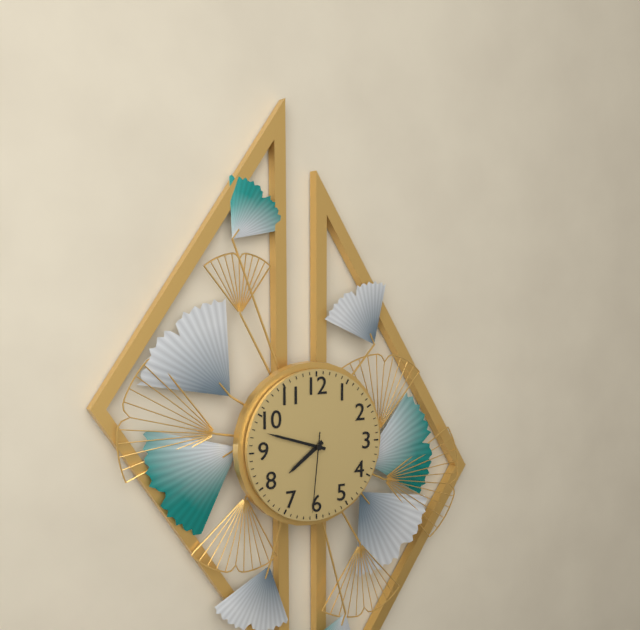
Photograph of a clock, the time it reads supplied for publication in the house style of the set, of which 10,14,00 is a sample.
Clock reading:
7,48,31
